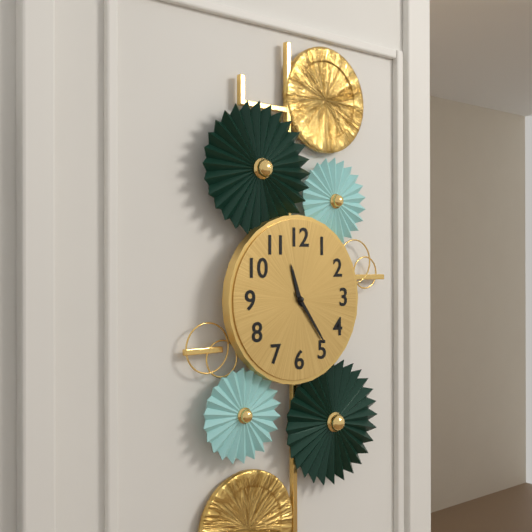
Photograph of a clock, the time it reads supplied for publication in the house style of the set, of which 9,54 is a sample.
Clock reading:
11,24
